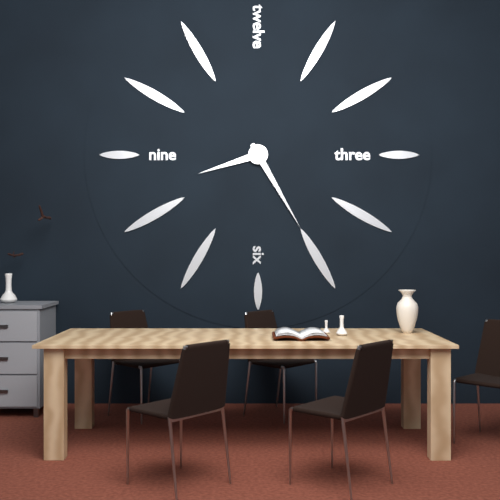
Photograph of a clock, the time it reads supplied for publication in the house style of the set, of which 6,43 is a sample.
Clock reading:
8,25
